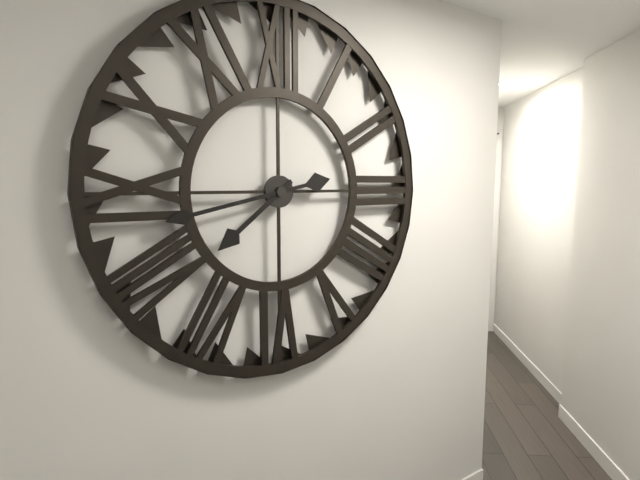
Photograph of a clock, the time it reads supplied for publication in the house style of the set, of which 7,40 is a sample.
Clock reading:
7,43
